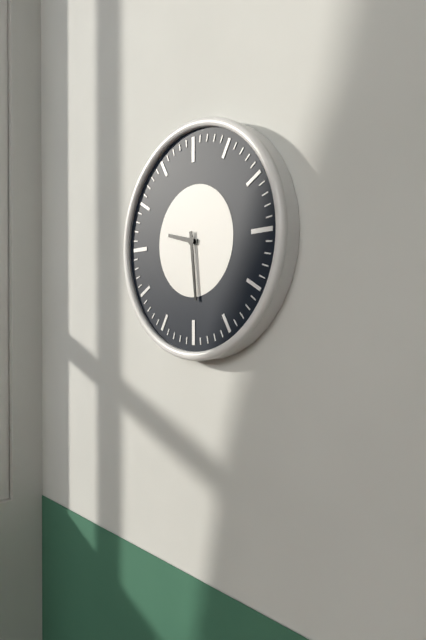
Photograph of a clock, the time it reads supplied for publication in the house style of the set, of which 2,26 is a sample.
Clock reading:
9,29
